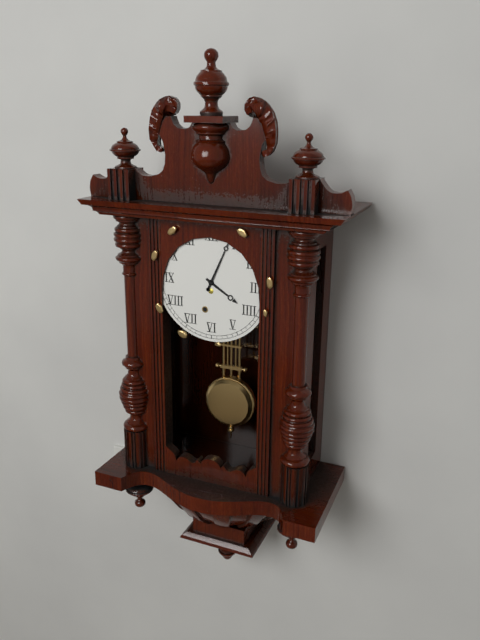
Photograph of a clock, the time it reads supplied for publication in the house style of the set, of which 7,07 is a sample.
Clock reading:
4,04
